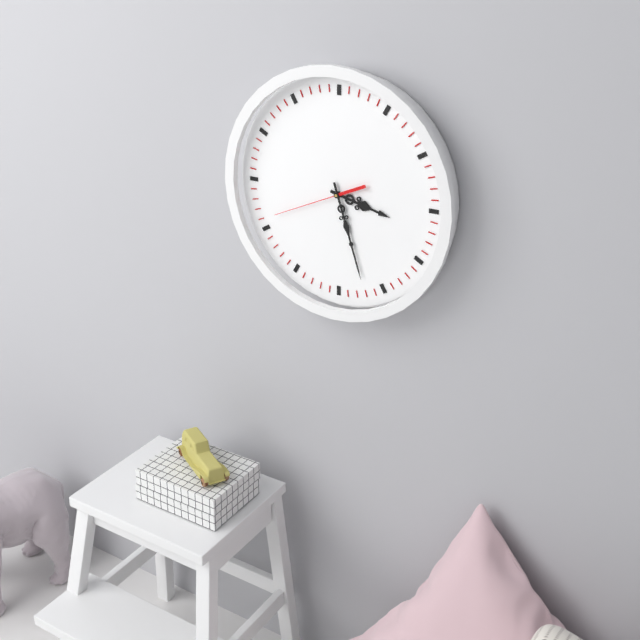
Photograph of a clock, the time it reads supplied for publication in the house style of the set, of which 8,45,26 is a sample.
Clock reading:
3,27,41
